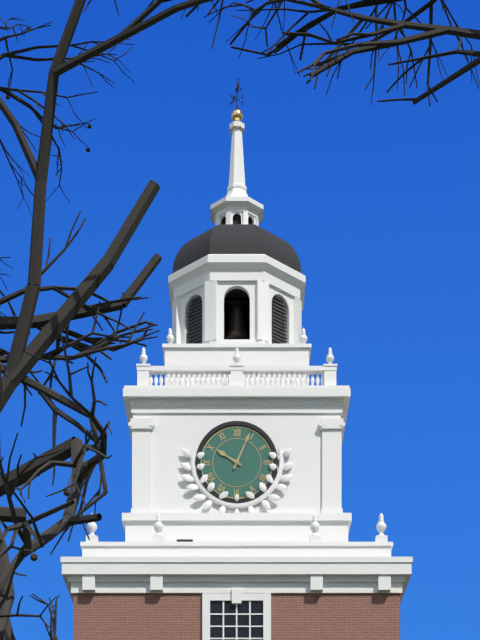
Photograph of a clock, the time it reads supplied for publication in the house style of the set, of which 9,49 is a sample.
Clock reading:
10,04
